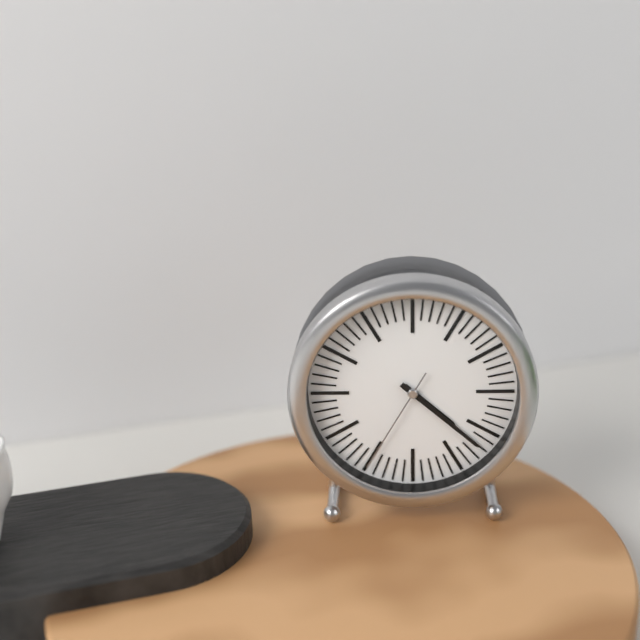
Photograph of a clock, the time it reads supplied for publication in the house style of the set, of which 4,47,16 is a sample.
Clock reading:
4,22,35
